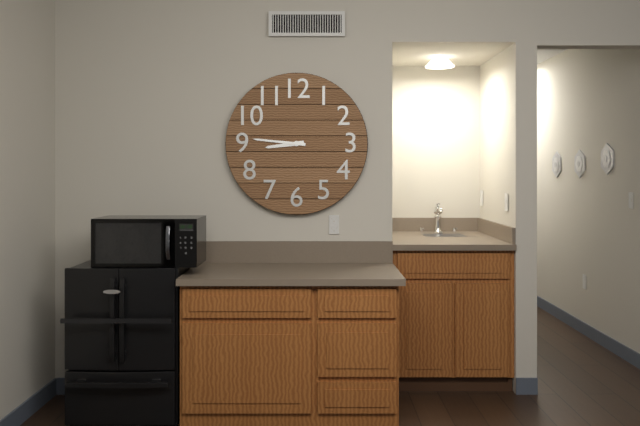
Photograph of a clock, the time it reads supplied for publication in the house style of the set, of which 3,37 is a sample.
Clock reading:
8,46
